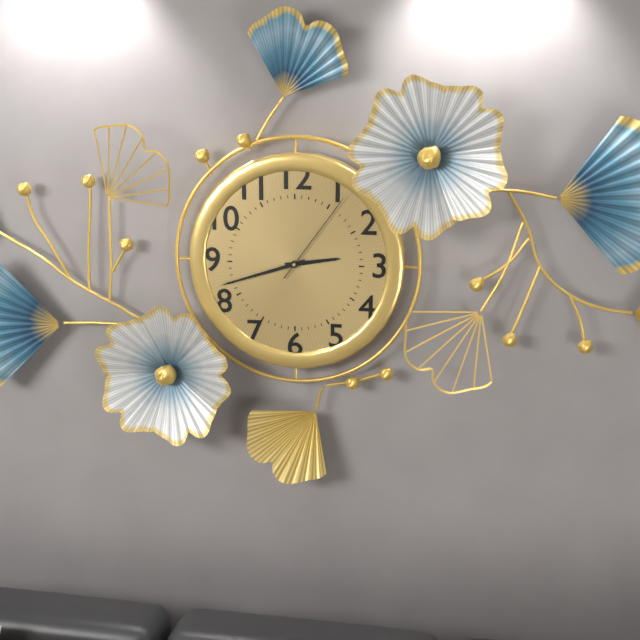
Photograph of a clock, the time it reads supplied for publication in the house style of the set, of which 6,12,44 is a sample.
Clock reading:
2,42,06
